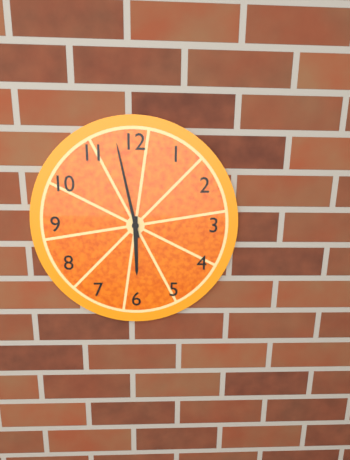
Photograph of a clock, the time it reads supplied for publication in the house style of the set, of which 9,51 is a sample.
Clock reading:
5,58
